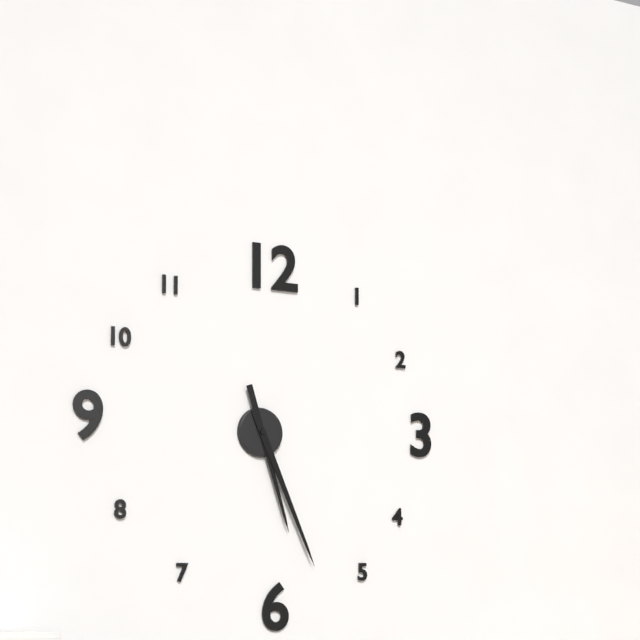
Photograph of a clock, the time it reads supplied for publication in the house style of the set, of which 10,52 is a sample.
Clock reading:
5,26
